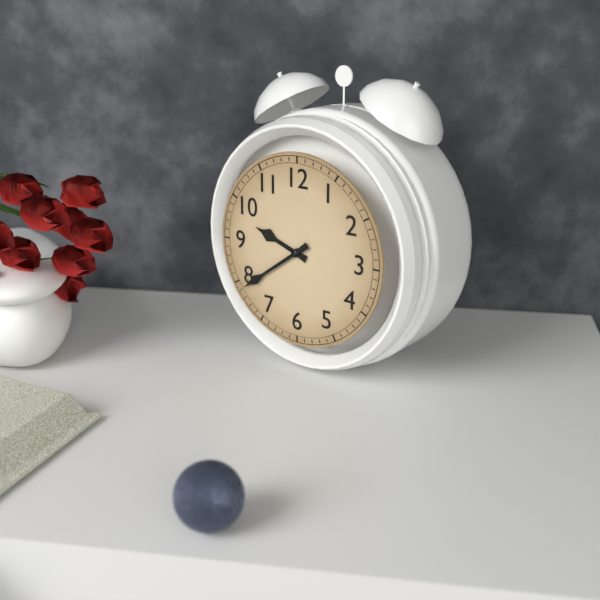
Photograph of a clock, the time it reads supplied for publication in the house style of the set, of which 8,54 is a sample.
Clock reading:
9,39
